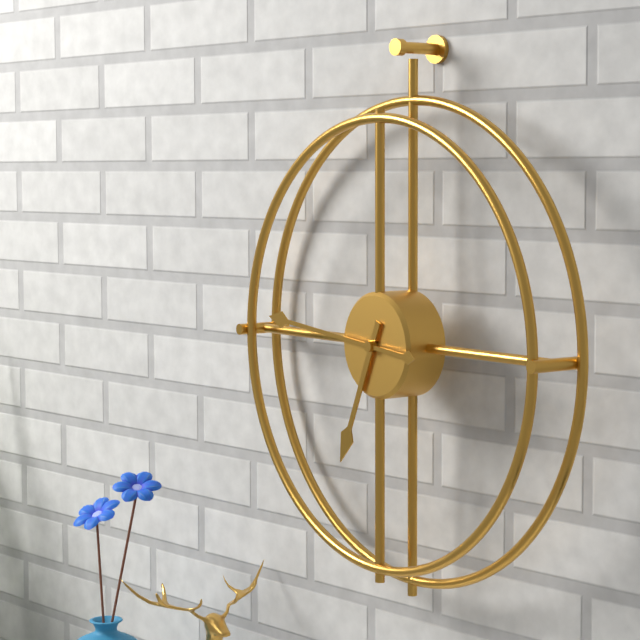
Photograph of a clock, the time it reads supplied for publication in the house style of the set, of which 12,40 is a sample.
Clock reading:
6,46
